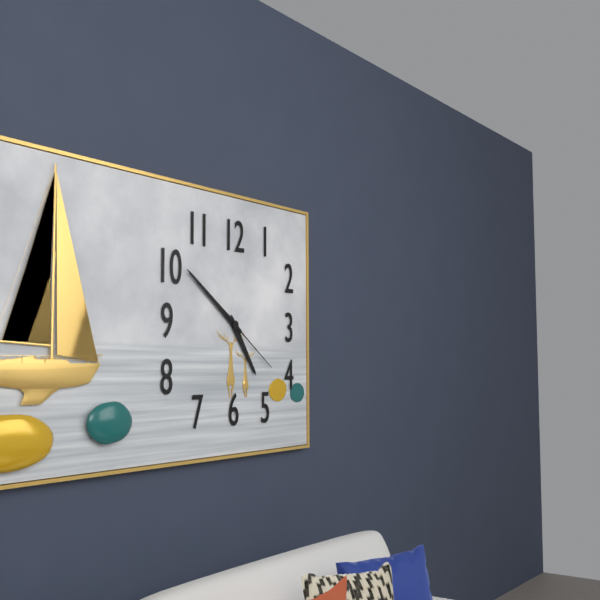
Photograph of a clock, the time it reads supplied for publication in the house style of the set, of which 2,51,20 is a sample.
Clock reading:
4,51,21
